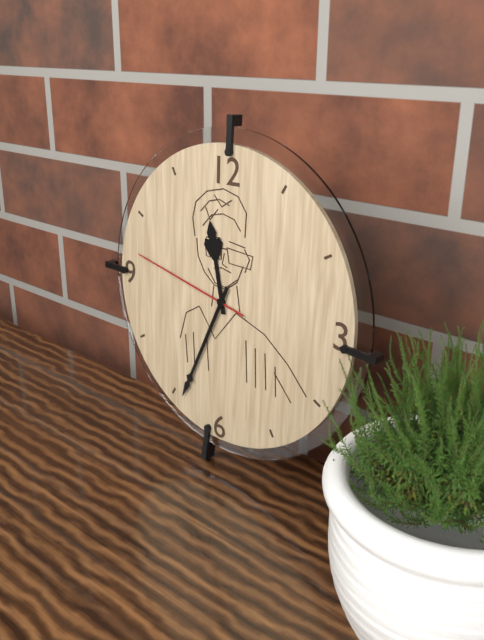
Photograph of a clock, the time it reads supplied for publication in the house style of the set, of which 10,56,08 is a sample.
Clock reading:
11,34,47
